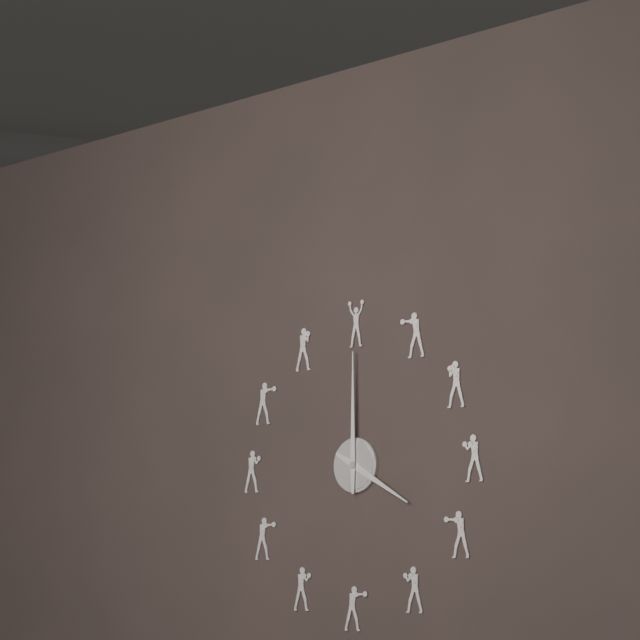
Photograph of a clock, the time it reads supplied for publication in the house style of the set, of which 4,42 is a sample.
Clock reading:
4,00
